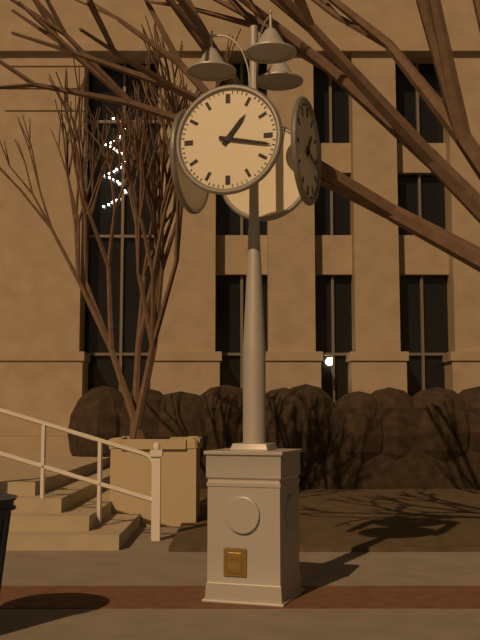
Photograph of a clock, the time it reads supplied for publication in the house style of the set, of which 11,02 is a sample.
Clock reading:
1,17
